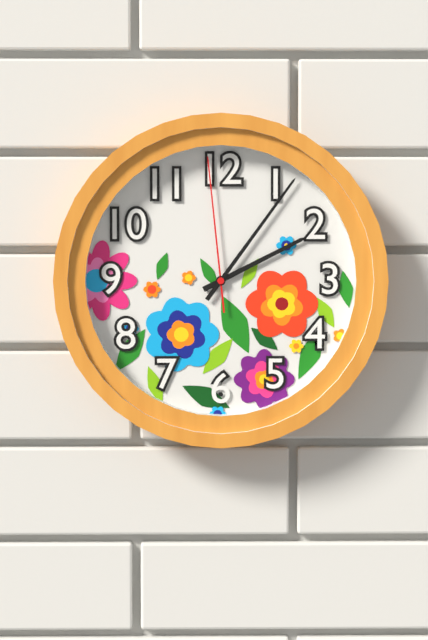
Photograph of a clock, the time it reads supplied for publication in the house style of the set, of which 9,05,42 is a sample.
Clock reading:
2,06,59
